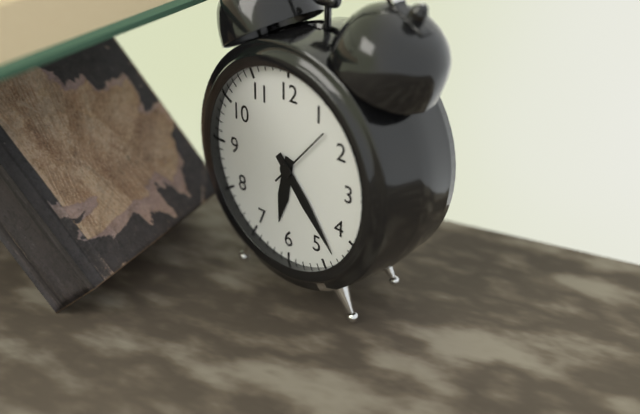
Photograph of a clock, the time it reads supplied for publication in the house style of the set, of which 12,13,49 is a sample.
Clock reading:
6,23,07
